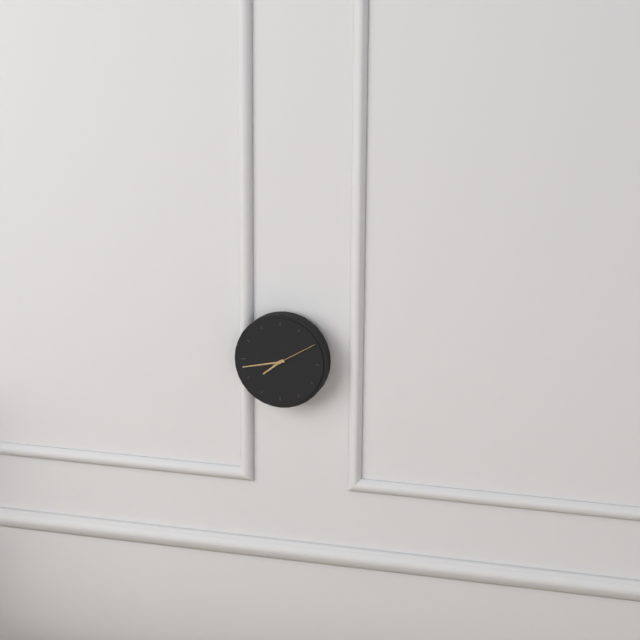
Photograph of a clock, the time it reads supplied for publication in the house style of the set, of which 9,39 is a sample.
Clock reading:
7,43
